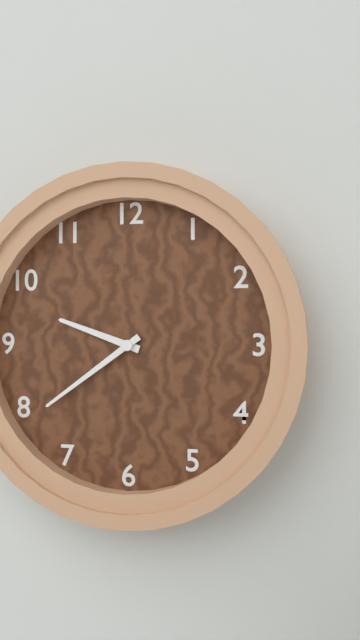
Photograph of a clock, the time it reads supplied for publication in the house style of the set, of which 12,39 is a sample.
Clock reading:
9,39
